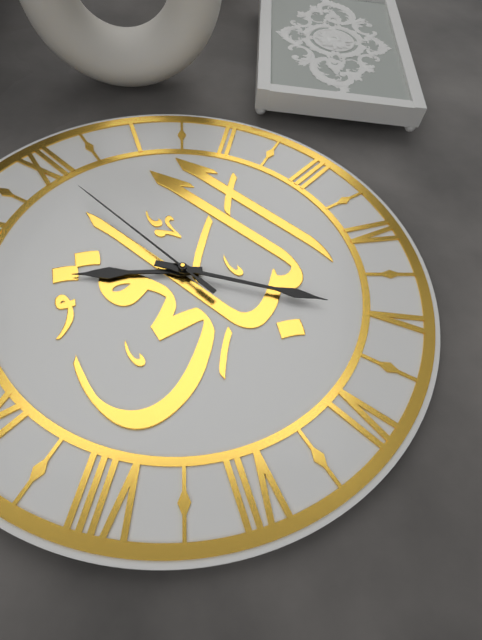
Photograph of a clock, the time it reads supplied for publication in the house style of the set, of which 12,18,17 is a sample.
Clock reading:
10,25,00
